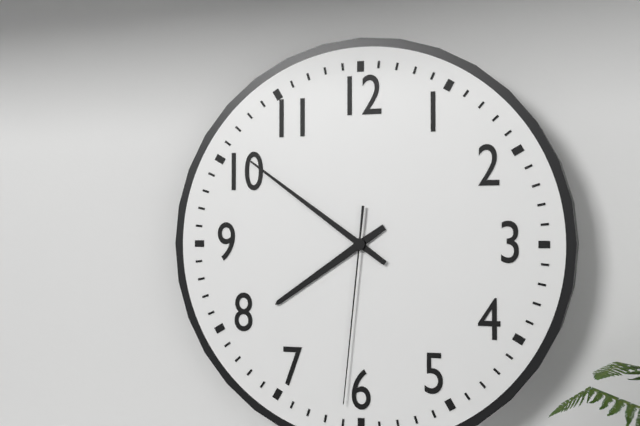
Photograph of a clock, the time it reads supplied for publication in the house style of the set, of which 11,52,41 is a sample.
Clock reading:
7,51,31
